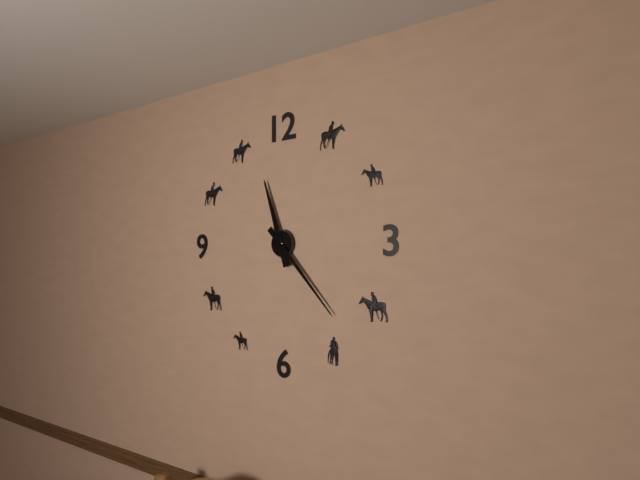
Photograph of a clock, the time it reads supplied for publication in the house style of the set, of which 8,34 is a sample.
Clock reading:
11,23
